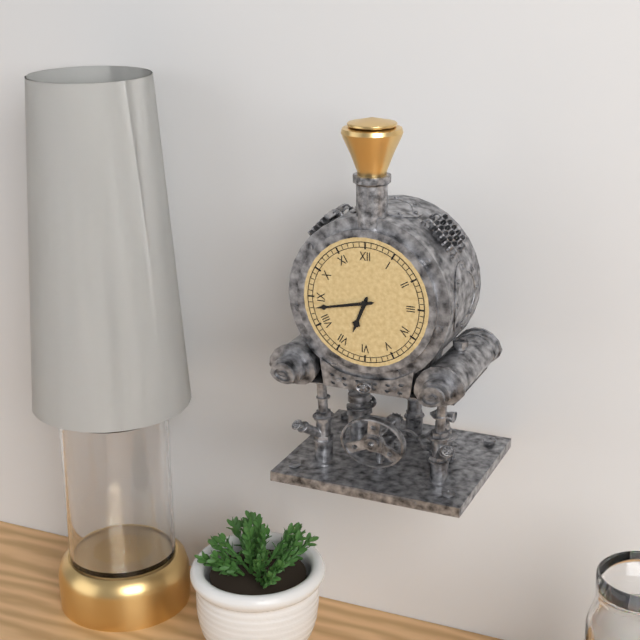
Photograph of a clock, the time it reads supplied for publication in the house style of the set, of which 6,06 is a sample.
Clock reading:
6,43
